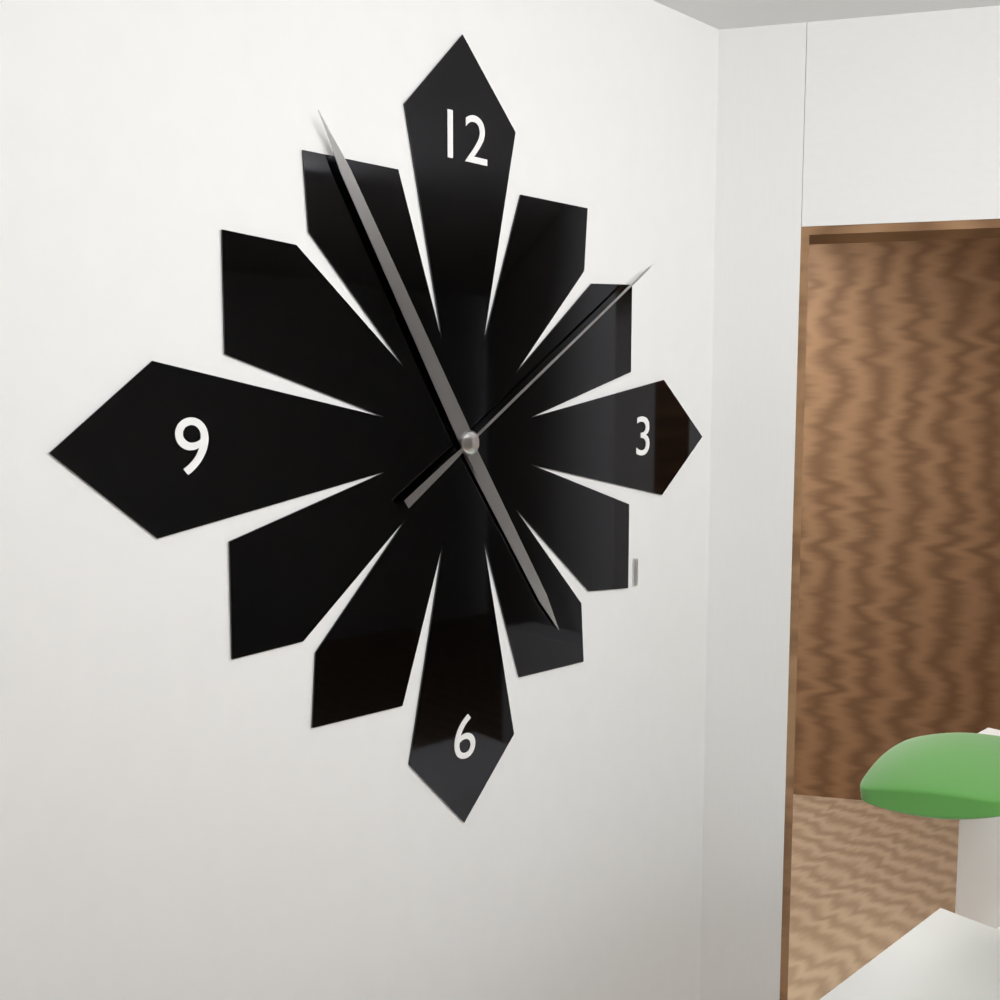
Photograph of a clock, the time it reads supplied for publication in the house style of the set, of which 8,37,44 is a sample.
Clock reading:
4,55,09
